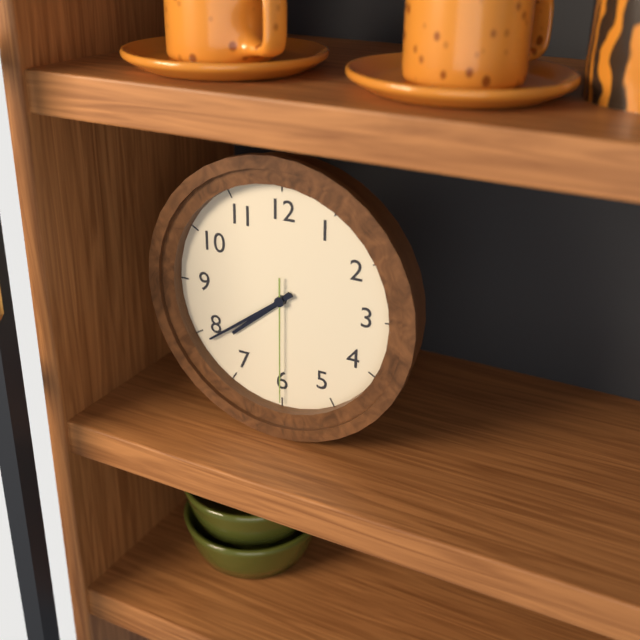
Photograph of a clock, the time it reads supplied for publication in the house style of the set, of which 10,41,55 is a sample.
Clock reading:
7,39,30
